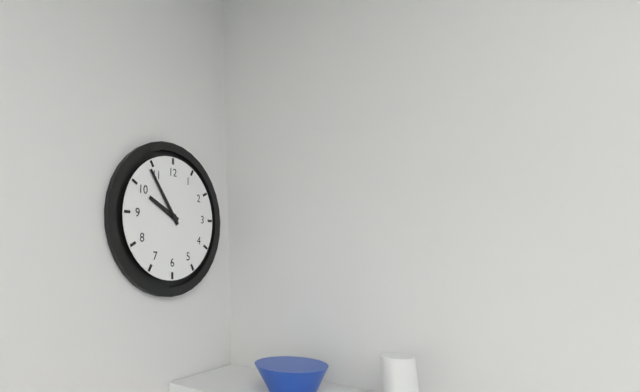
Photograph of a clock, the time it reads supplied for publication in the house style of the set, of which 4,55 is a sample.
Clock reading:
9,54
